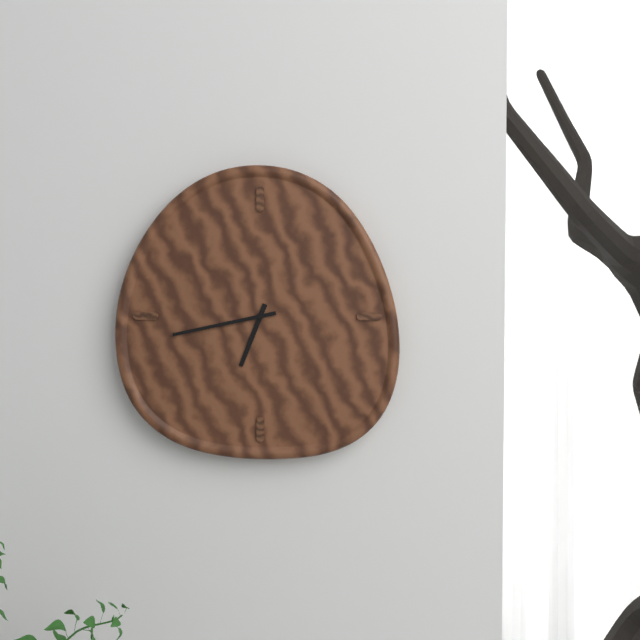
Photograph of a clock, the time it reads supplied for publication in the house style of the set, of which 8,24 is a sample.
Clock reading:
6,43
